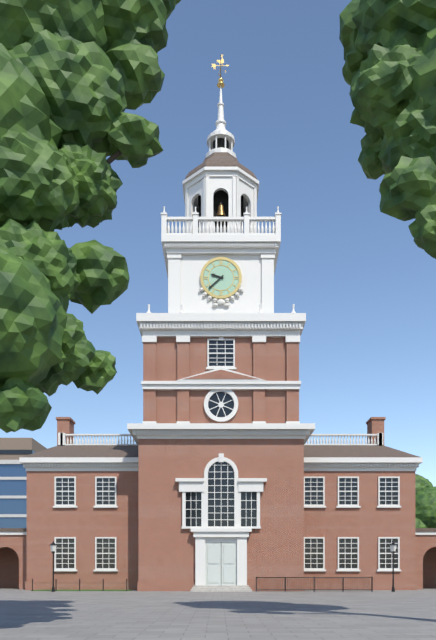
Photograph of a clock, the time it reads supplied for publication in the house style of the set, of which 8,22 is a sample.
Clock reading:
9,38
